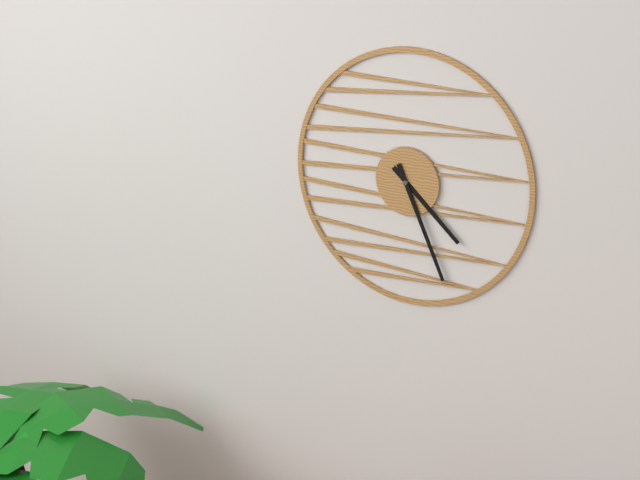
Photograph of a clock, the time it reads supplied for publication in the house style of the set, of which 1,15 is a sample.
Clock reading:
4,26
